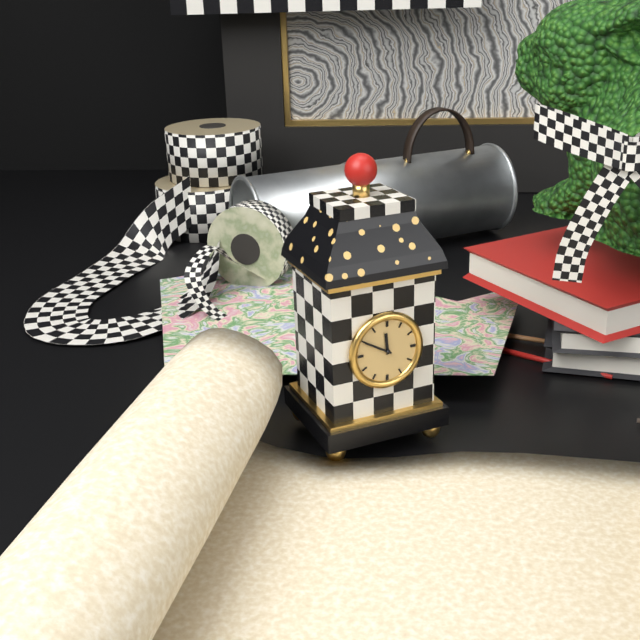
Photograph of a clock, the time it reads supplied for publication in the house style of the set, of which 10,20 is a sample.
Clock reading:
11,50
